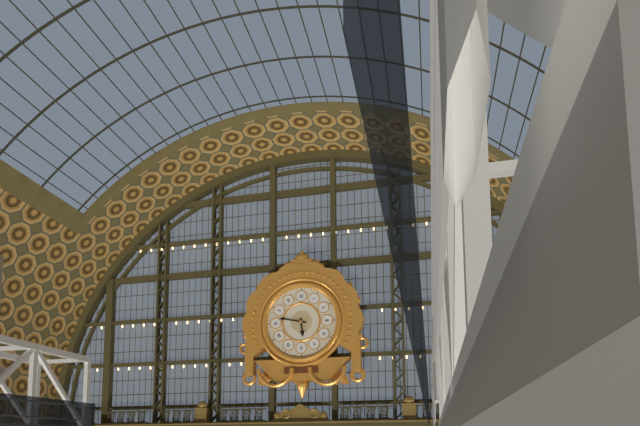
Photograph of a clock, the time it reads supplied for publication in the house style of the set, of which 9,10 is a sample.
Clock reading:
5,47
